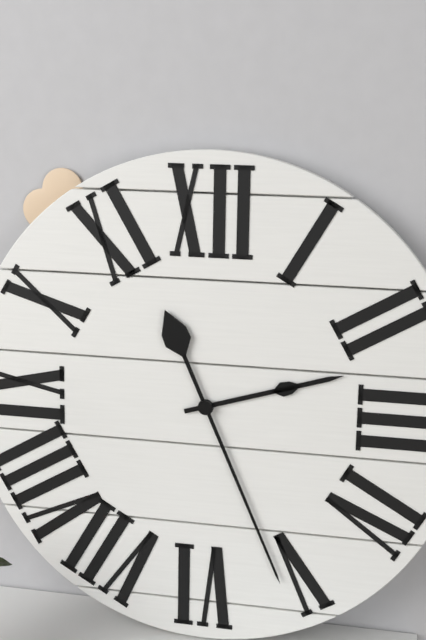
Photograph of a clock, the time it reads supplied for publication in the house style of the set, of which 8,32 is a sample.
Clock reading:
2,26
